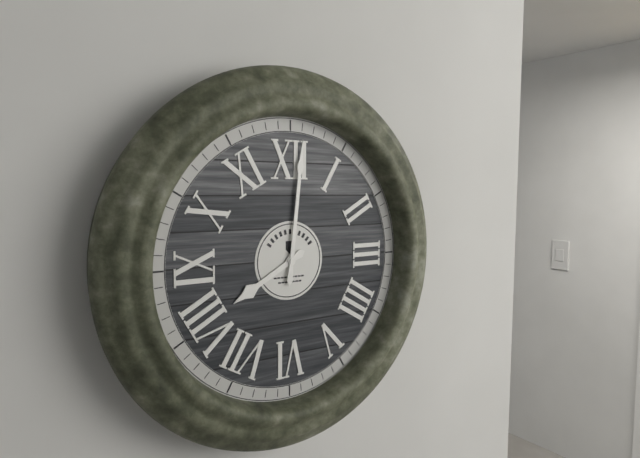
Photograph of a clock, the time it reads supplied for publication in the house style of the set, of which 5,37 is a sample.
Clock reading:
8,01
